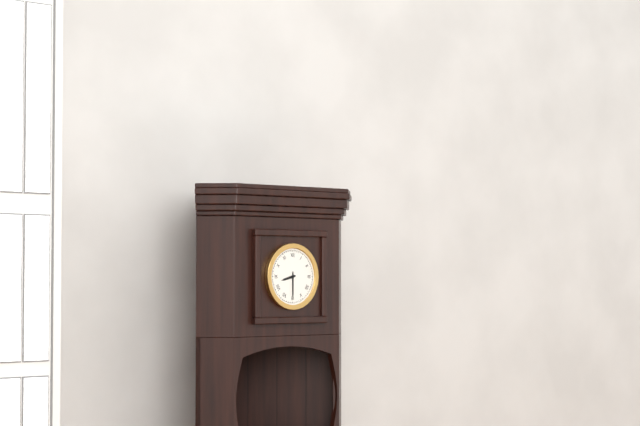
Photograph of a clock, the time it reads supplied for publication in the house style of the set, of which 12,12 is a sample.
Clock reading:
8,30
